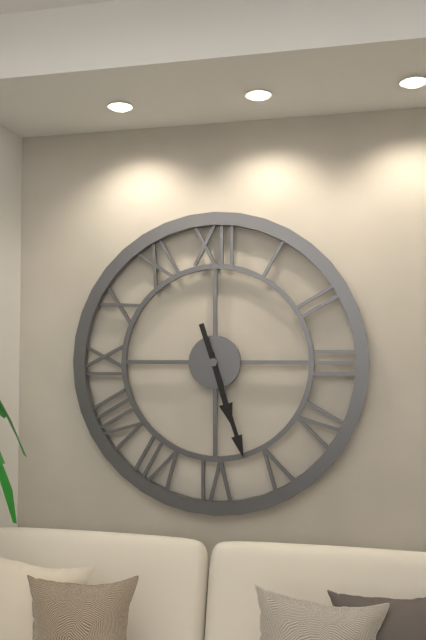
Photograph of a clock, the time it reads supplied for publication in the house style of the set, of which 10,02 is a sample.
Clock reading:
5,27
